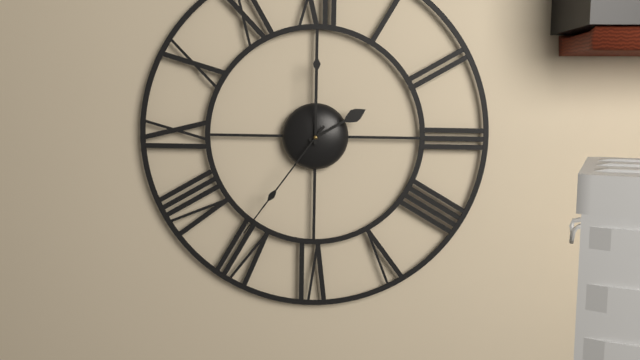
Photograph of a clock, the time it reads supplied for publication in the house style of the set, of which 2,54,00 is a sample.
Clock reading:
2,00,36
